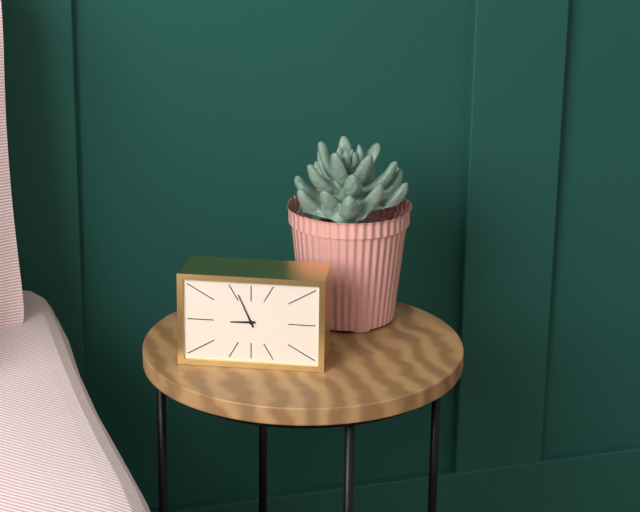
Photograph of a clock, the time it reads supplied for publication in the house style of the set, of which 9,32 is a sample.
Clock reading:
8,56
